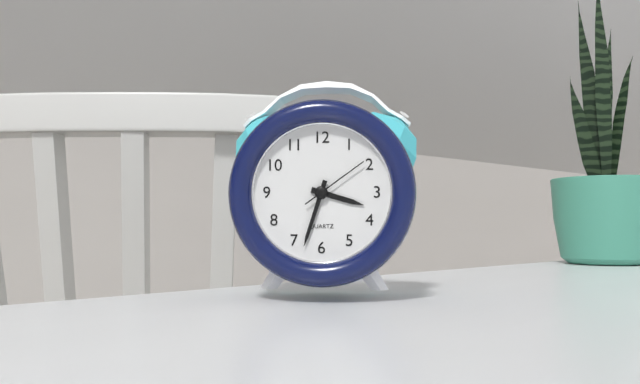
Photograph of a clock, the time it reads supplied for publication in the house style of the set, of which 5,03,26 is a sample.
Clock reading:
3,33,09
